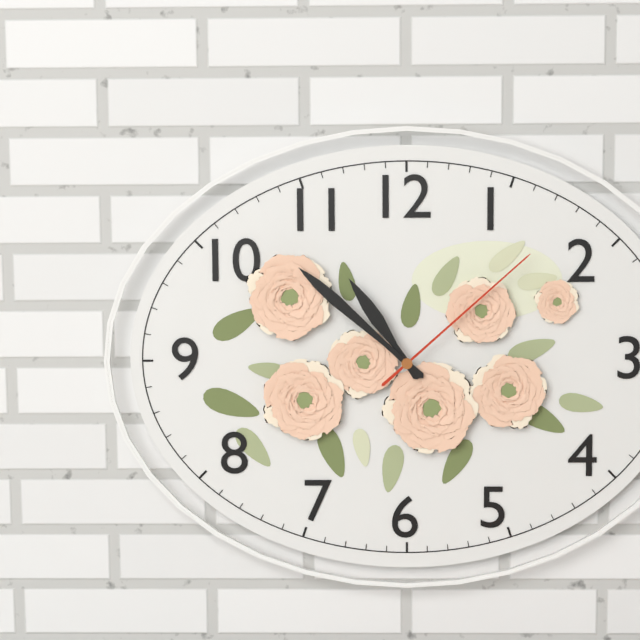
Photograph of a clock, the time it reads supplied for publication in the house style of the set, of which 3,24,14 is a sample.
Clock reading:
10,52,08
